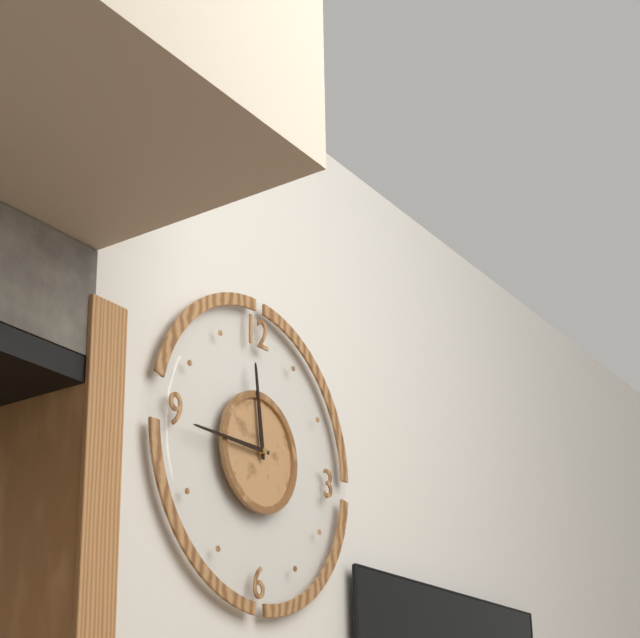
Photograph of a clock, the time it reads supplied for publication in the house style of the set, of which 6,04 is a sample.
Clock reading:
11,45
